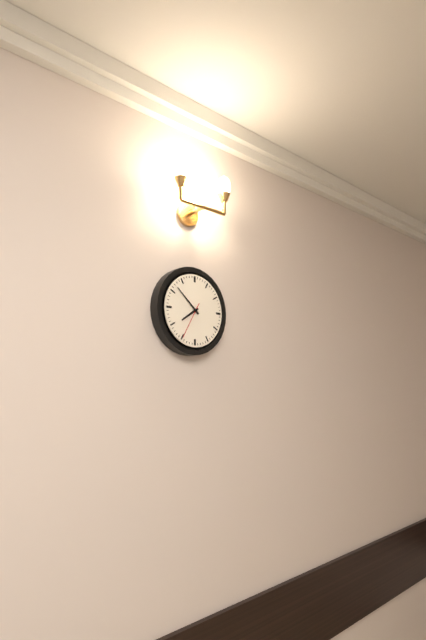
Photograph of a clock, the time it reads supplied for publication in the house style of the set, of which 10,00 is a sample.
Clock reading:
7,52
